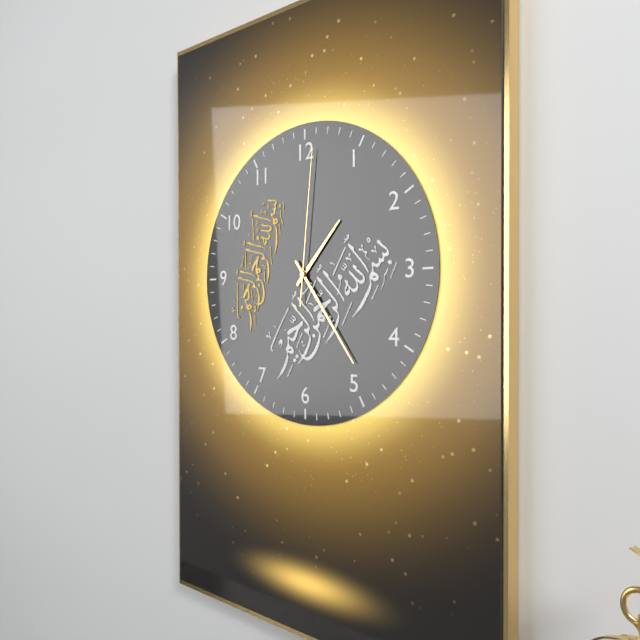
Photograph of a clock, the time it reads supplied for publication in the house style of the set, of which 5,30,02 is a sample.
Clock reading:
1,24,01
